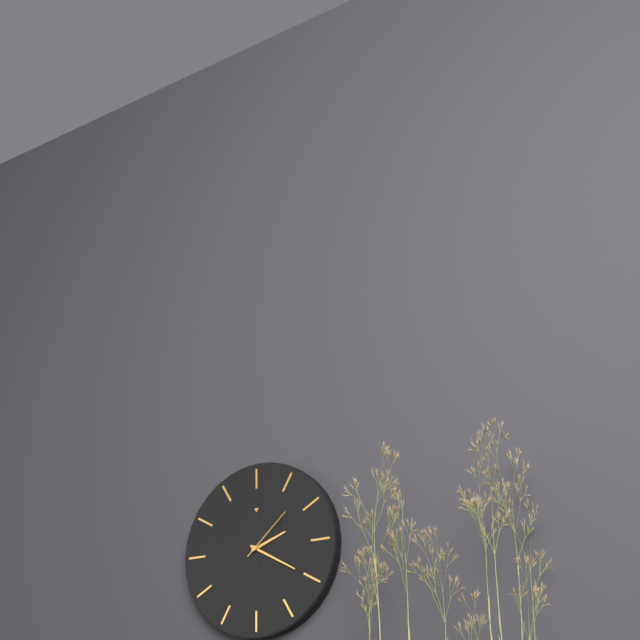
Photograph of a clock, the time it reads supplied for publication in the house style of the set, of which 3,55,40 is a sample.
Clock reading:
2,20,08
